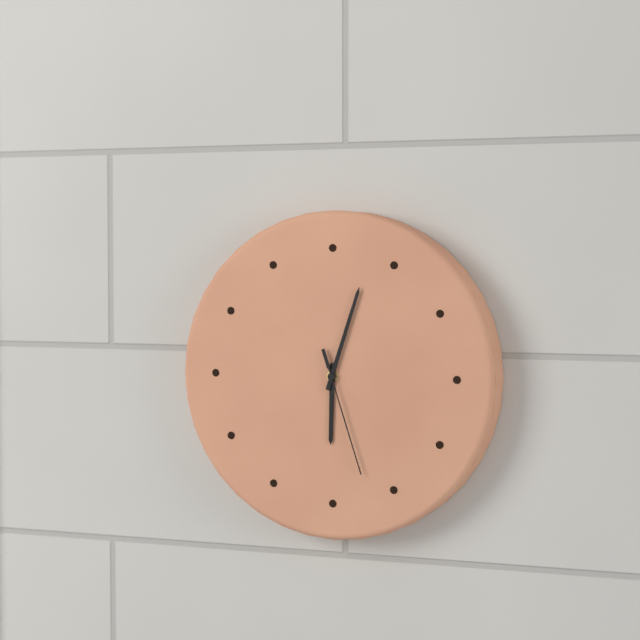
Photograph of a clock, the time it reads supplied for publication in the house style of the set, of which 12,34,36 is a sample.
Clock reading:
6,03,27
